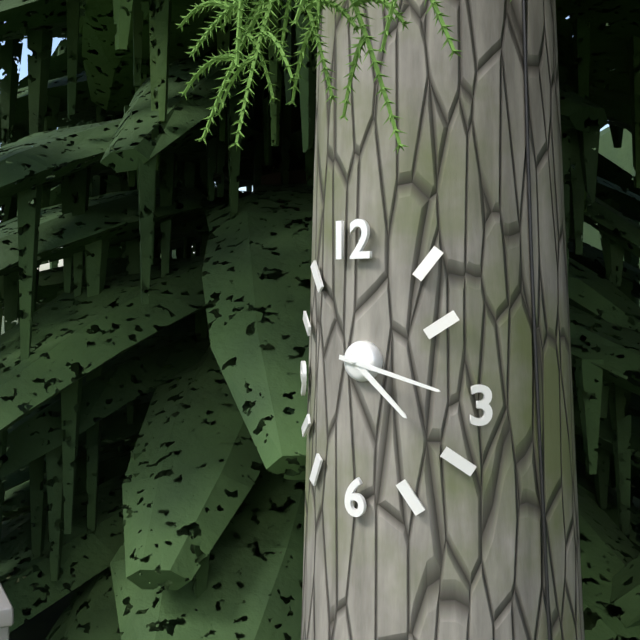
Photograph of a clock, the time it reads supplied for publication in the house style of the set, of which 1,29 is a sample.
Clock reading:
4,17
